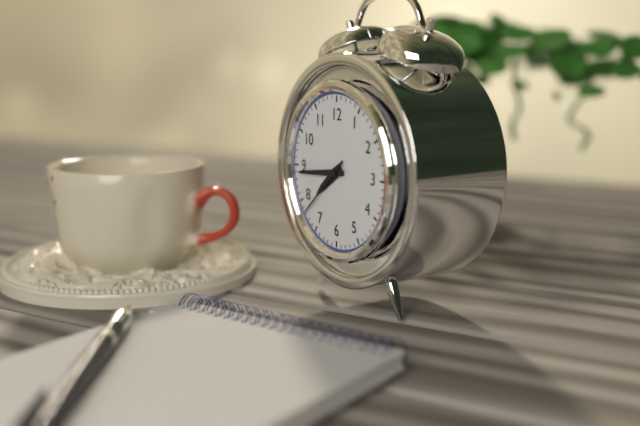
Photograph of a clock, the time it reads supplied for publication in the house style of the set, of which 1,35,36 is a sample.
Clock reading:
7,44,38
